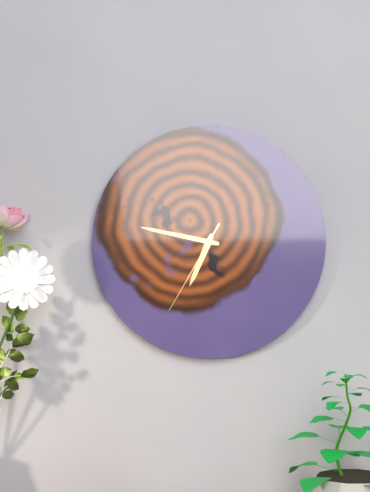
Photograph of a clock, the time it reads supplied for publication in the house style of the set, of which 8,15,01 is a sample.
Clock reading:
6,47,35
